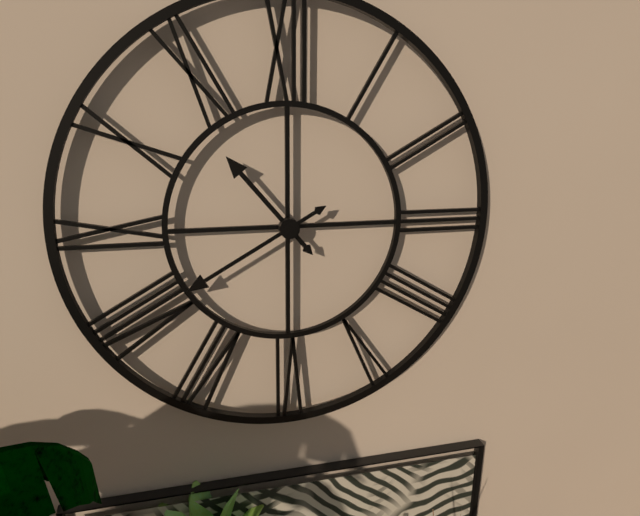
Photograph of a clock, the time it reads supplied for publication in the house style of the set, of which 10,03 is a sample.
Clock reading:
10,40
